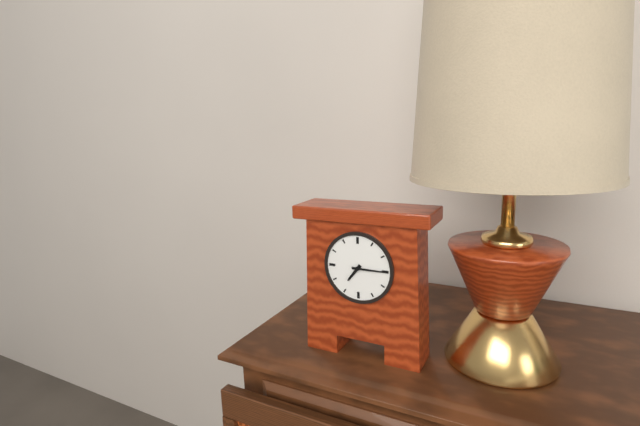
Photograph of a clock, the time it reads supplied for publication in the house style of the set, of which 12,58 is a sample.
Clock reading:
7,15
